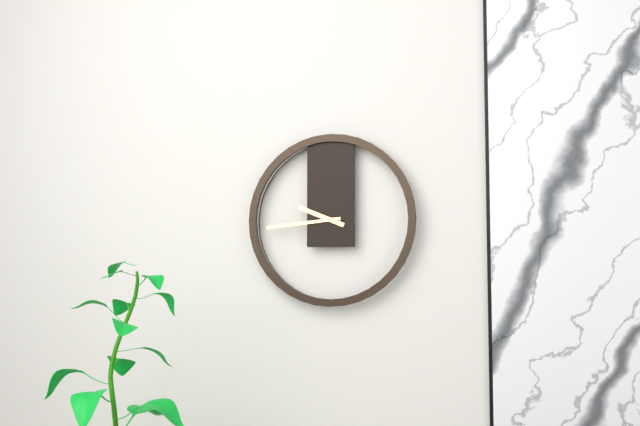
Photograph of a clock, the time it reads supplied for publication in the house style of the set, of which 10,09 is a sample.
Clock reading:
9,44
